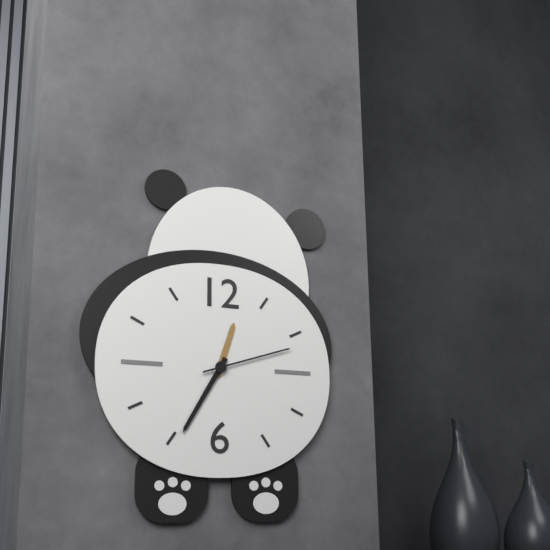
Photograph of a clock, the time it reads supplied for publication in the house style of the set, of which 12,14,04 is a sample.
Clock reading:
12,35,12
